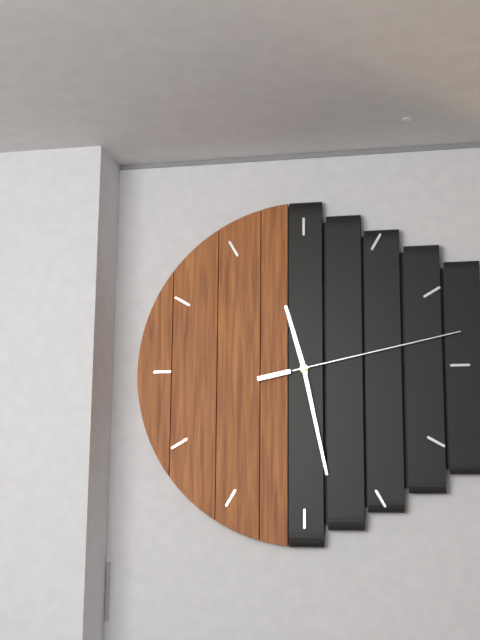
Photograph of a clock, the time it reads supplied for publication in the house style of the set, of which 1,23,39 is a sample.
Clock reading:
11,28,13
